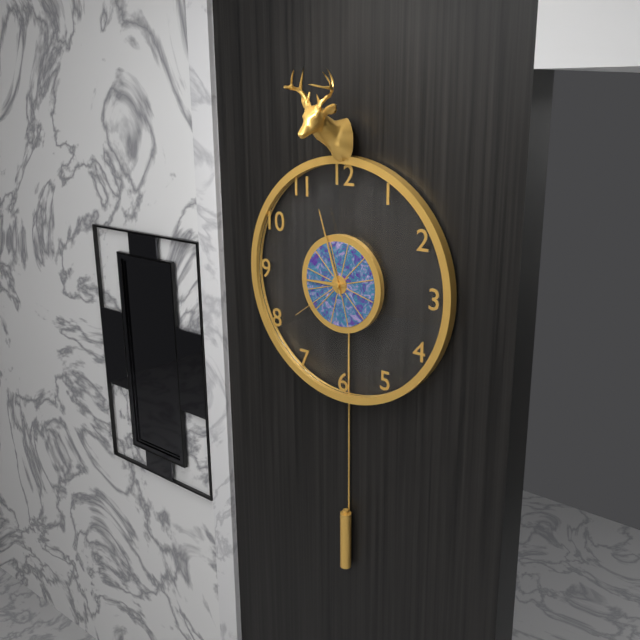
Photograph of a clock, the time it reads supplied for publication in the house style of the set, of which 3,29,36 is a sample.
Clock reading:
8,57,39
